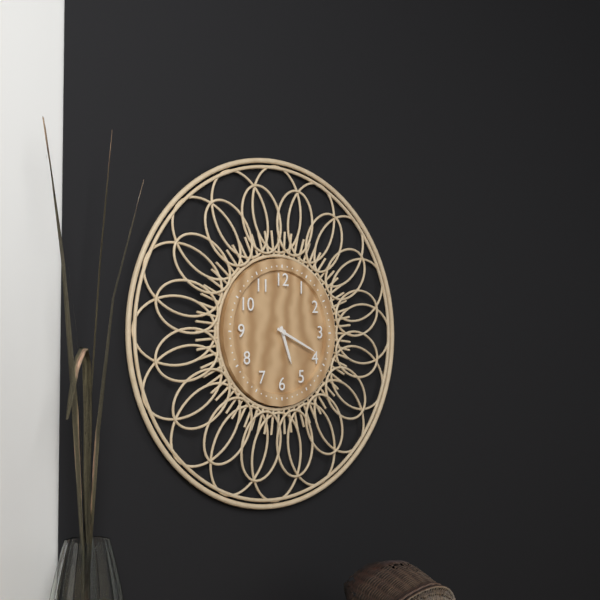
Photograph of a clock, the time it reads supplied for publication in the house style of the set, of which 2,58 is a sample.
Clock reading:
5,19
